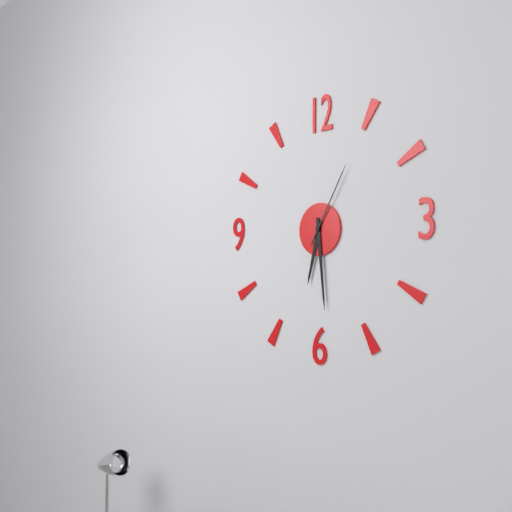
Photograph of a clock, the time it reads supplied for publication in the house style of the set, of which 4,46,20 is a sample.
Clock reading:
6,29,05
